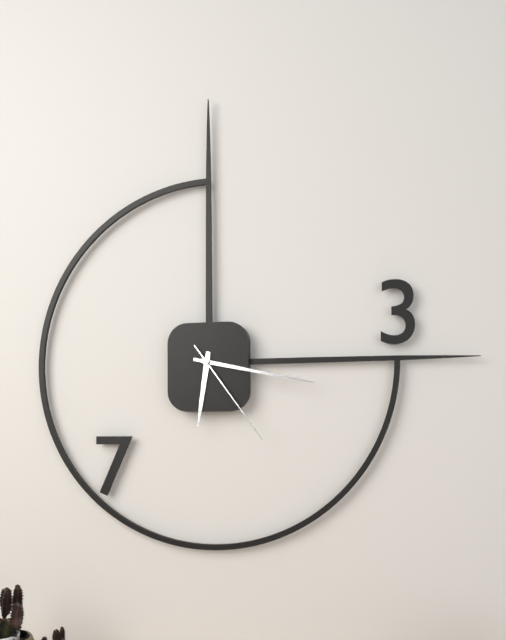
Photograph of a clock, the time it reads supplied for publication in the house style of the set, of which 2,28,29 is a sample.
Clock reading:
6,17,24
